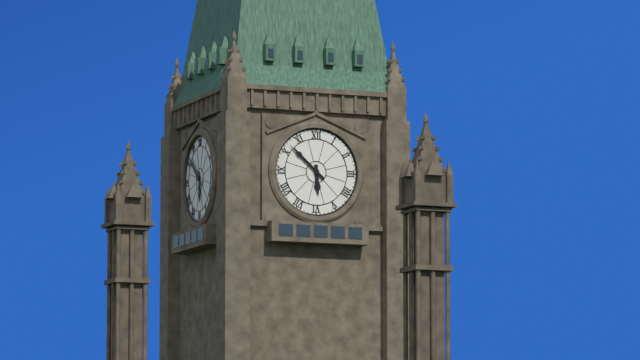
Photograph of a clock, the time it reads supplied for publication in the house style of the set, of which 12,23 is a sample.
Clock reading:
5,52
